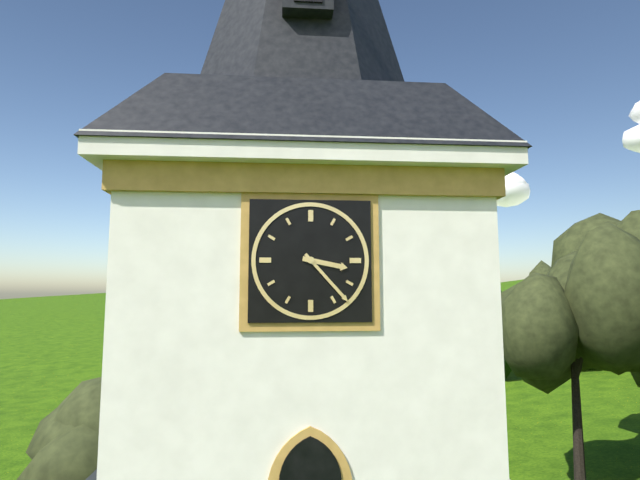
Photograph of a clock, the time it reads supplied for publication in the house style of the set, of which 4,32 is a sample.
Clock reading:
3,23
